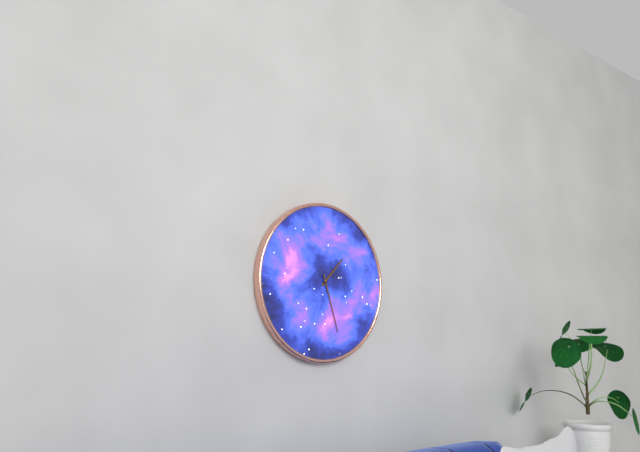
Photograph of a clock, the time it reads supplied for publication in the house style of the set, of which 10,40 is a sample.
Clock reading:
1,27
